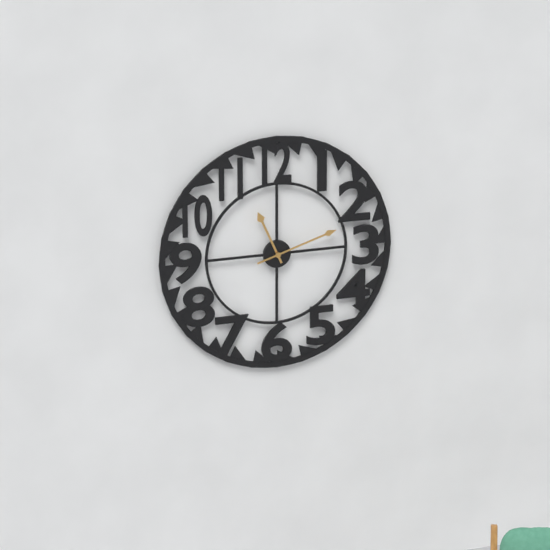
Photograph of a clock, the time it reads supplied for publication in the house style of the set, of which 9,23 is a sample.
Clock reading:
11,12
